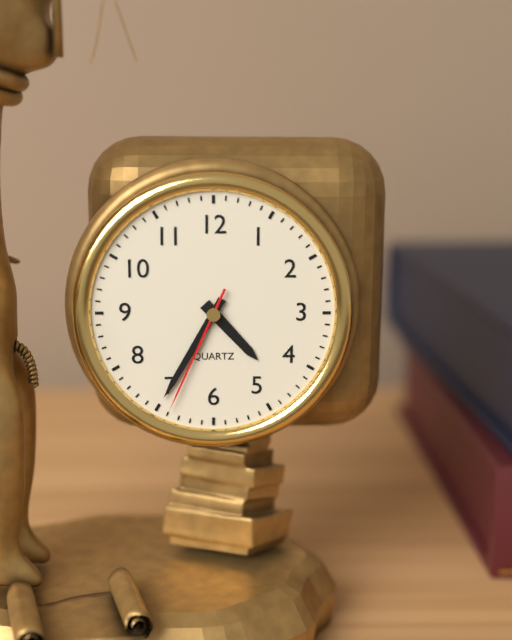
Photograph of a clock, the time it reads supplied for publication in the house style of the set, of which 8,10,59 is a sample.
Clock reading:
4,35,34
